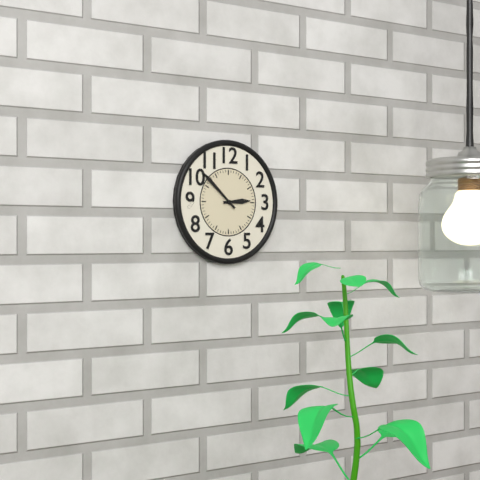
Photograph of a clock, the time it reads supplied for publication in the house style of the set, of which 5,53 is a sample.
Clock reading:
2,52
